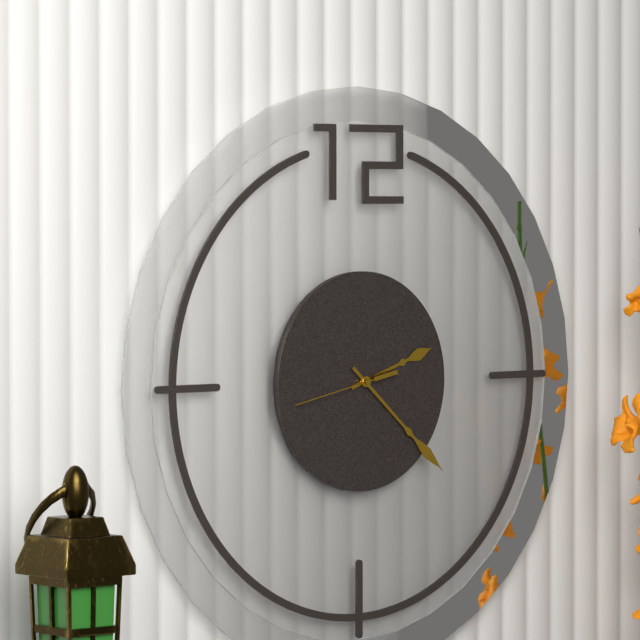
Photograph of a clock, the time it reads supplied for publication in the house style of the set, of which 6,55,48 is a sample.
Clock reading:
2,22,43
